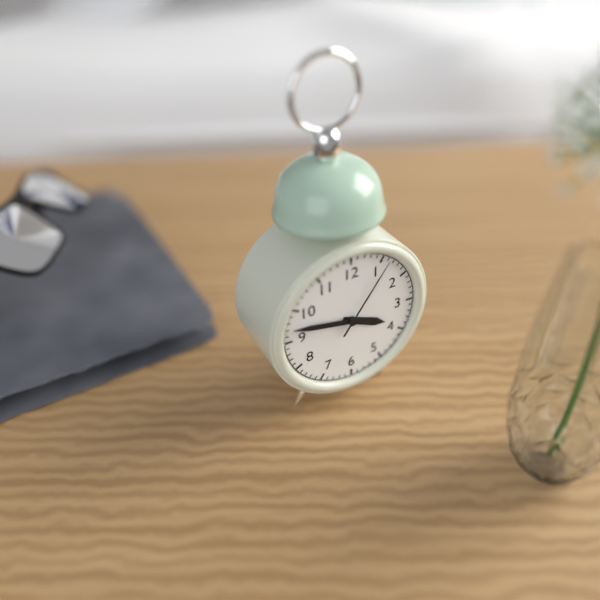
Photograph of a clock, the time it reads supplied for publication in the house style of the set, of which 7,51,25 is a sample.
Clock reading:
3,47,06
